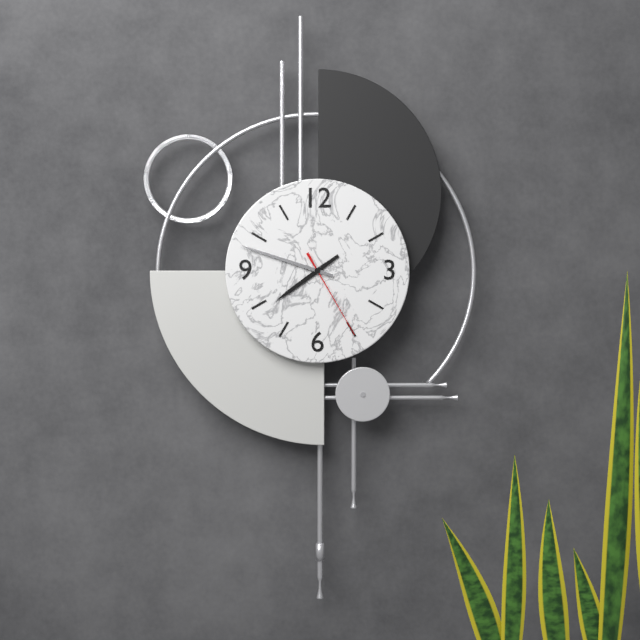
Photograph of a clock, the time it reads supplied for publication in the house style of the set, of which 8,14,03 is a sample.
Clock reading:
7,48,25
